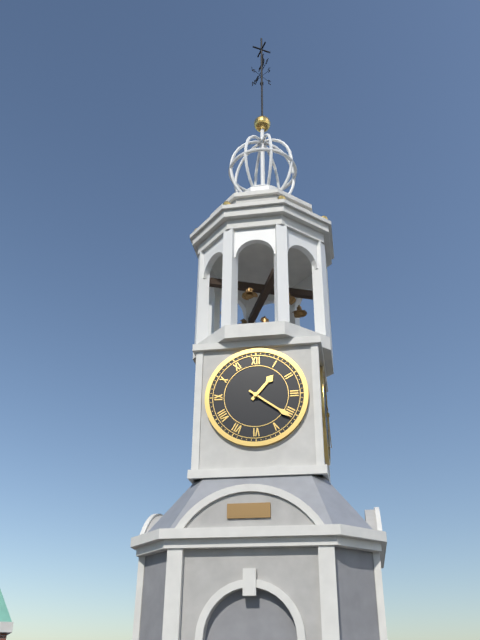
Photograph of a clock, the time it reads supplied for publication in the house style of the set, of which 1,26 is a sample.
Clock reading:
1,21
